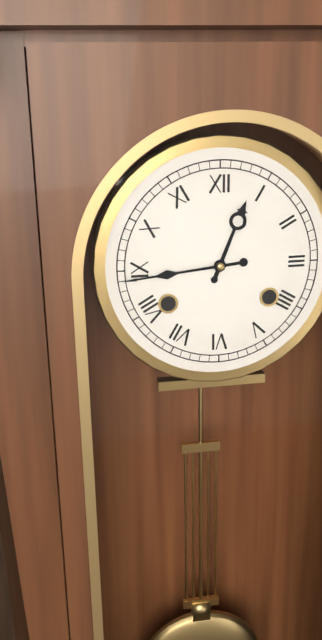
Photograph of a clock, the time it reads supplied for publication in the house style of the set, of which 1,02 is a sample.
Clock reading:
12,44
